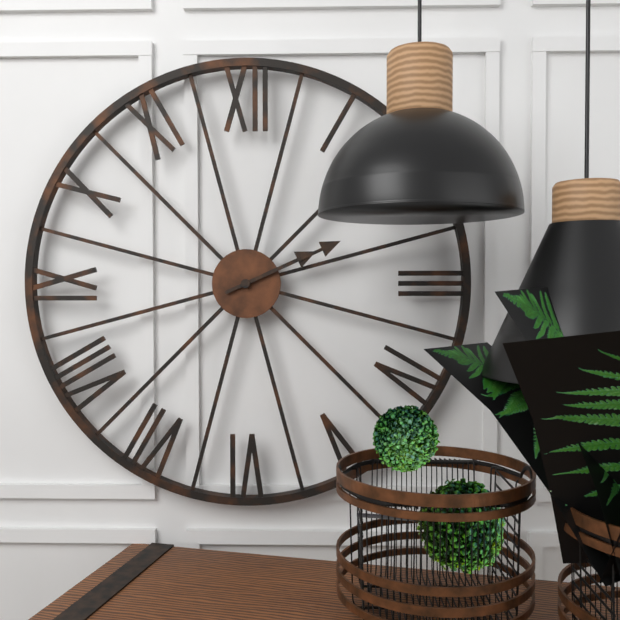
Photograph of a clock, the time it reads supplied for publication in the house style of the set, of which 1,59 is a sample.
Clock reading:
2,11
